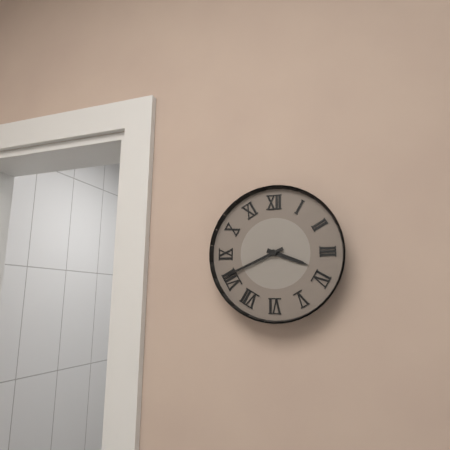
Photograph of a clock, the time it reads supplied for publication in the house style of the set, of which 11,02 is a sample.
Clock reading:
3,41
